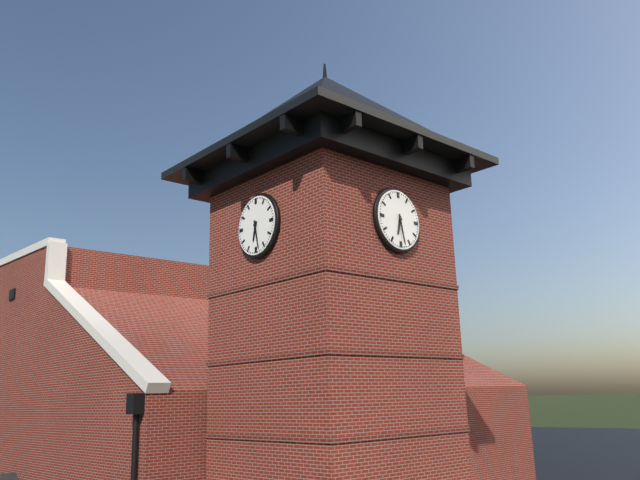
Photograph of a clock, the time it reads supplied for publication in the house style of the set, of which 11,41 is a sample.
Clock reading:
6,28
